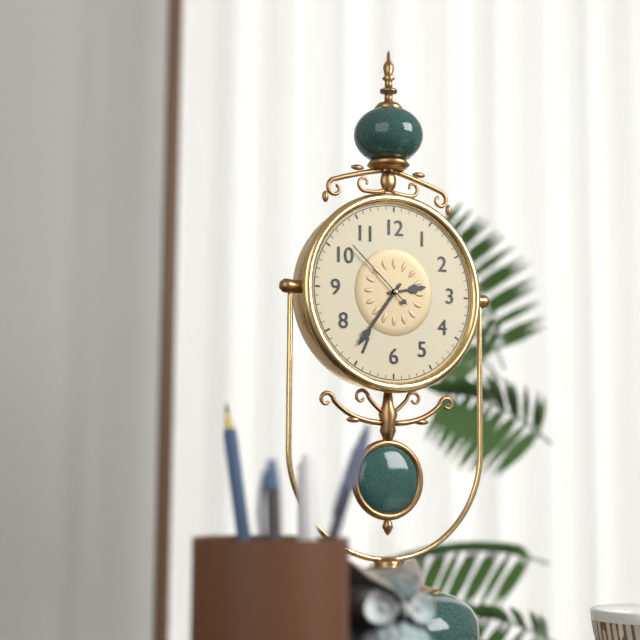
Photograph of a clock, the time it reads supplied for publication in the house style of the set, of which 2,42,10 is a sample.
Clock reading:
2,36,52
